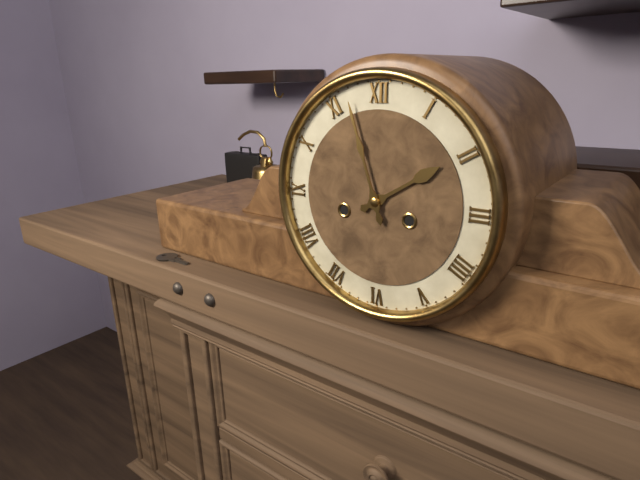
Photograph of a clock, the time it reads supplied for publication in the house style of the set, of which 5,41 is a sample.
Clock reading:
1,57
